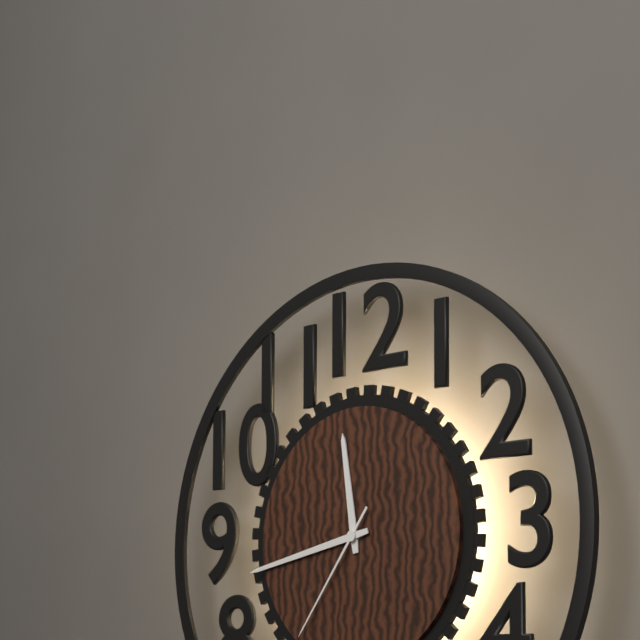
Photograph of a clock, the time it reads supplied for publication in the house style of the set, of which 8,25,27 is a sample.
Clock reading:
11,43,36
